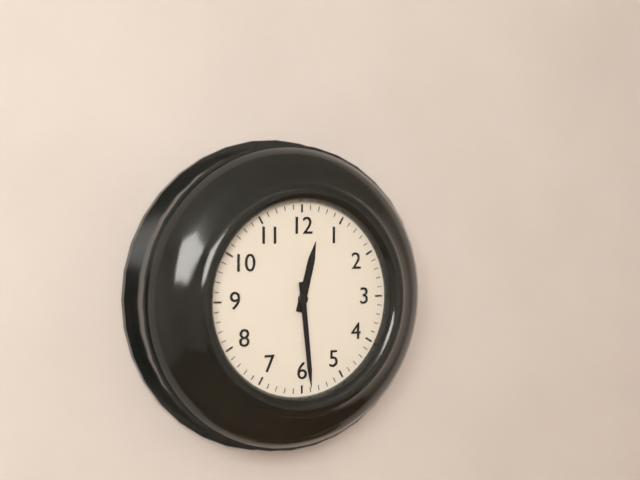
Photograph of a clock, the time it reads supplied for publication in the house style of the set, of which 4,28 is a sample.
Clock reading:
12,29
